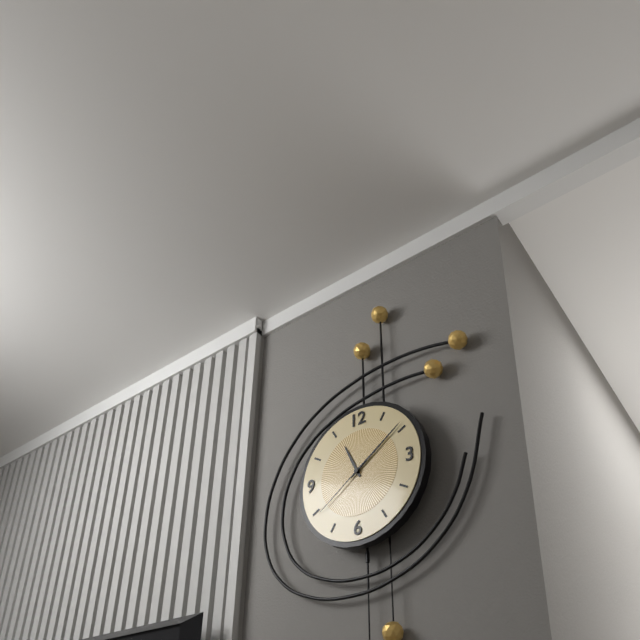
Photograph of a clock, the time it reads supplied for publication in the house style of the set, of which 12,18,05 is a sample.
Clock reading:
11,09,39
